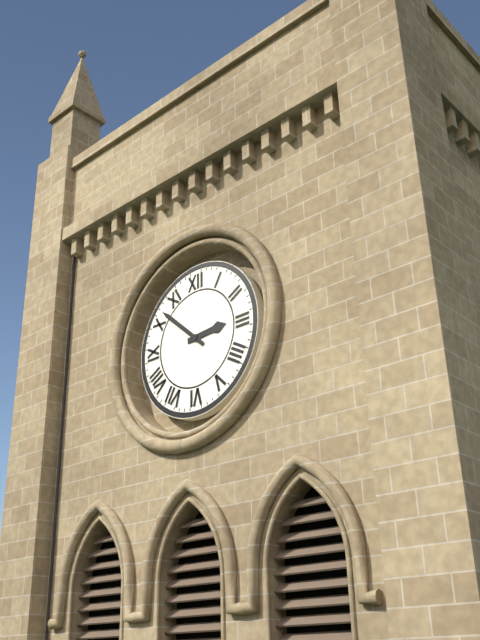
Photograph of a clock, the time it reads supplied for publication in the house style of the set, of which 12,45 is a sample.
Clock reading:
2,52
